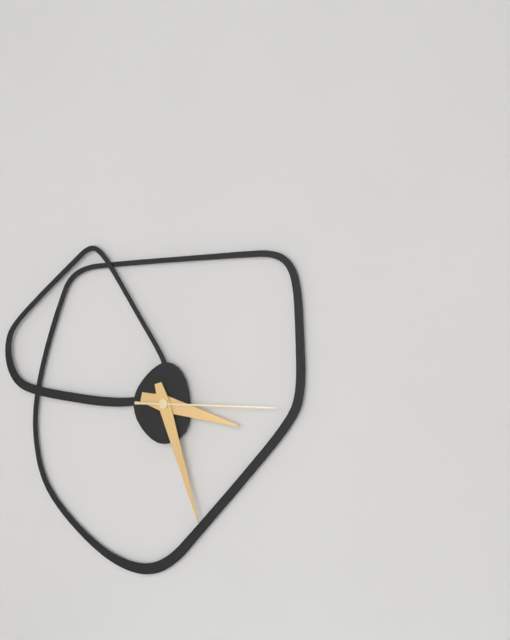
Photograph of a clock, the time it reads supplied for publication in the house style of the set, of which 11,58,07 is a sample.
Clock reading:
3,27,15
